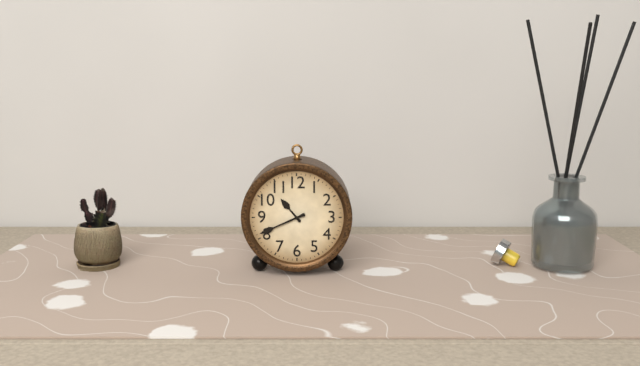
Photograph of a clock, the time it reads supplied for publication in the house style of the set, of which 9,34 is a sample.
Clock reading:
10,41
